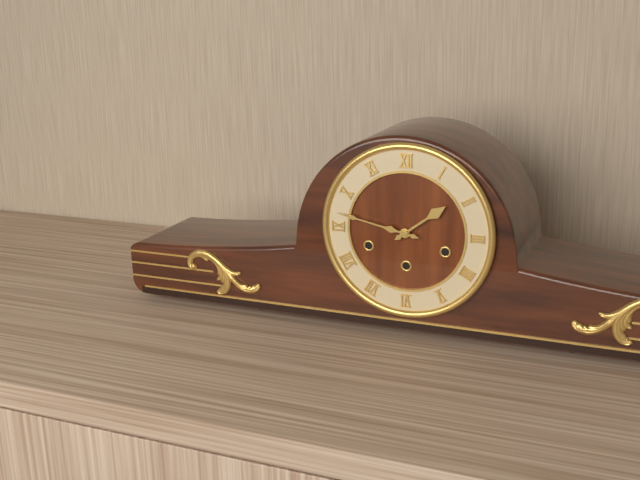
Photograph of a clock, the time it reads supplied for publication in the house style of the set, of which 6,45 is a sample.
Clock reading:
1,47
